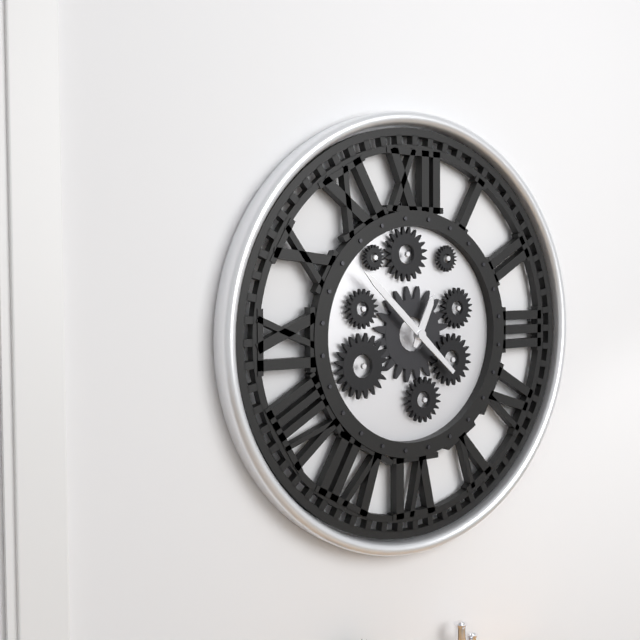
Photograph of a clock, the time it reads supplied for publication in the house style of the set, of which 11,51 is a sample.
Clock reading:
12,52
